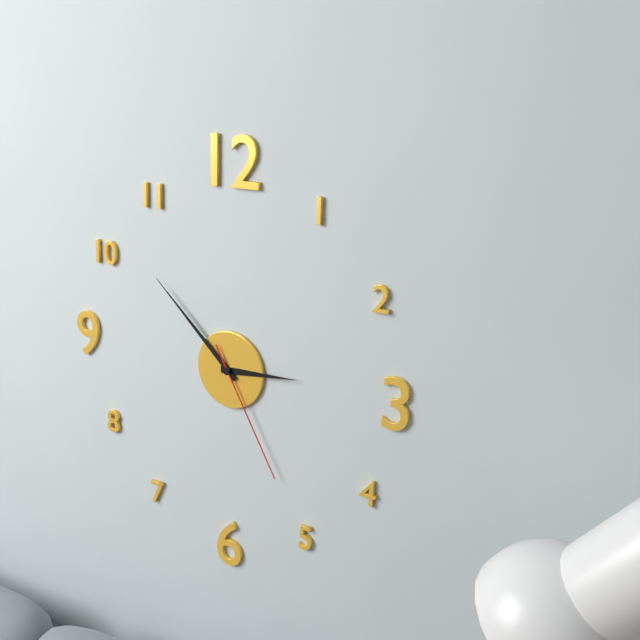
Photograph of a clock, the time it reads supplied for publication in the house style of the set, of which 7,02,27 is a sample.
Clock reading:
2,52,25
